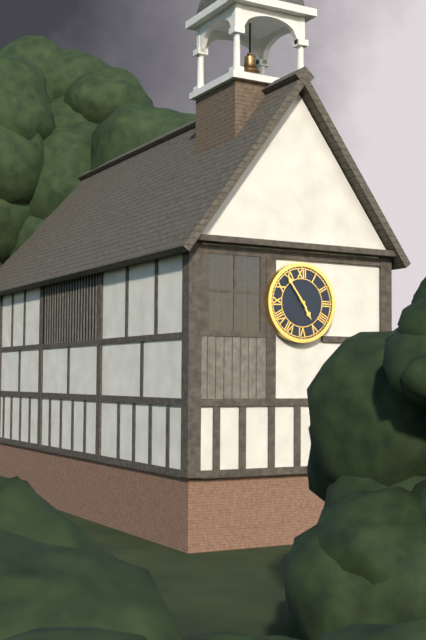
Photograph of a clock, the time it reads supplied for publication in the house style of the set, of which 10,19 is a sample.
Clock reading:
4,54
